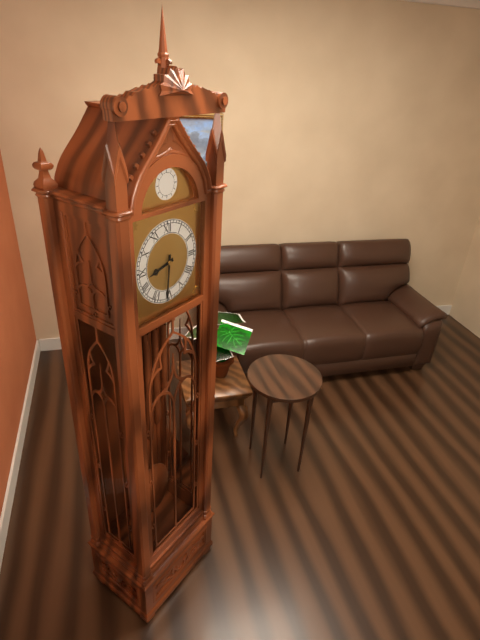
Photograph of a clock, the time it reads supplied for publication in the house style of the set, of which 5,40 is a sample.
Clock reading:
8,31
